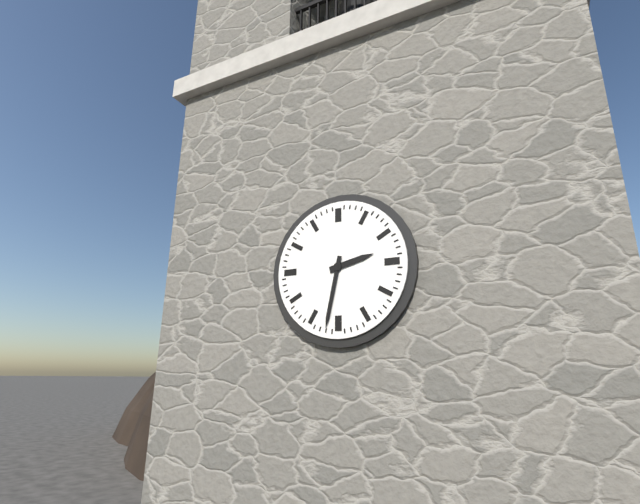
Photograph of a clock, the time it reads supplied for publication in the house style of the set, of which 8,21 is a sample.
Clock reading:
2,32
